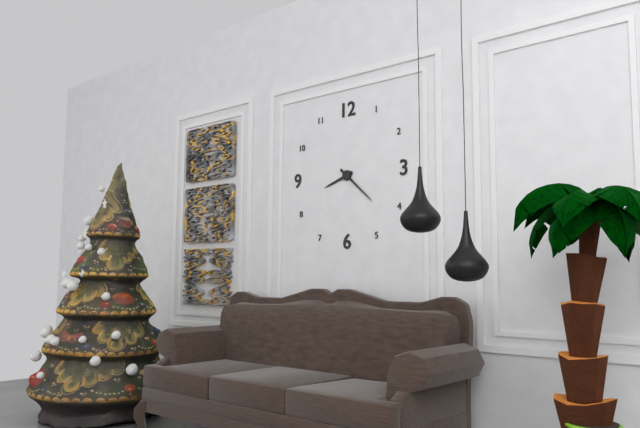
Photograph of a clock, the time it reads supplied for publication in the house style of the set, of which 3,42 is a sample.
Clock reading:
8,22
